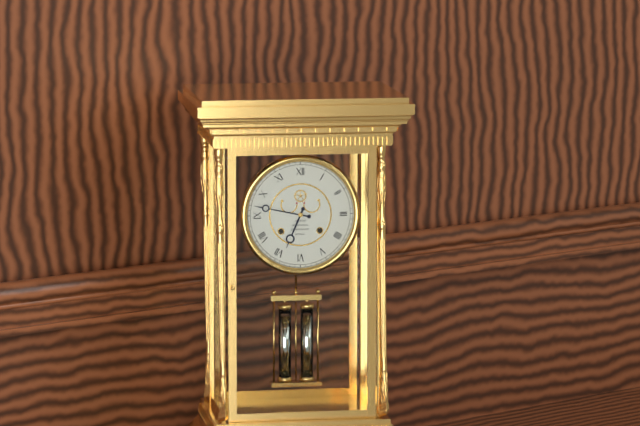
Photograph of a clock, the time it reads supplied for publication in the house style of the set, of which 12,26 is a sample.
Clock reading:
6,47
